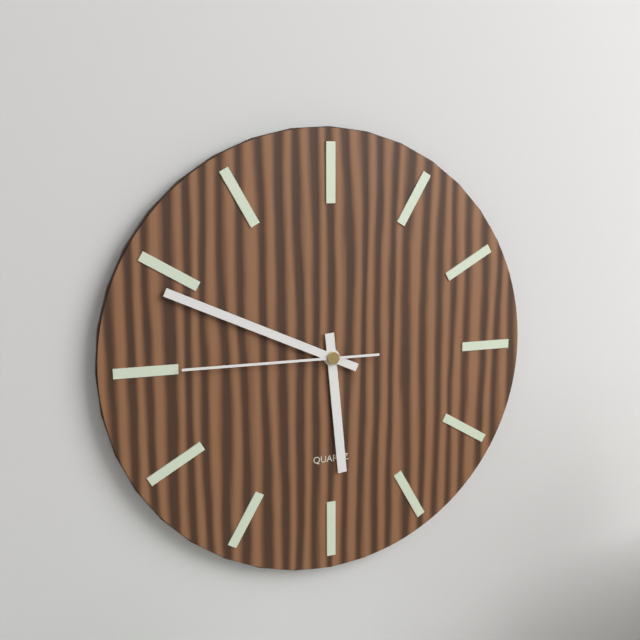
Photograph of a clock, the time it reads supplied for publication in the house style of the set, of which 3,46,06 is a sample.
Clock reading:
5,49,45
